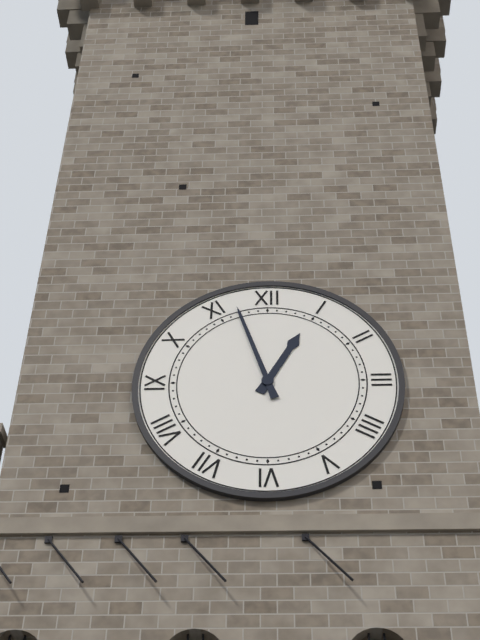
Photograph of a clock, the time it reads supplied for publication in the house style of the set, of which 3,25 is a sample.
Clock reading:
12,57
